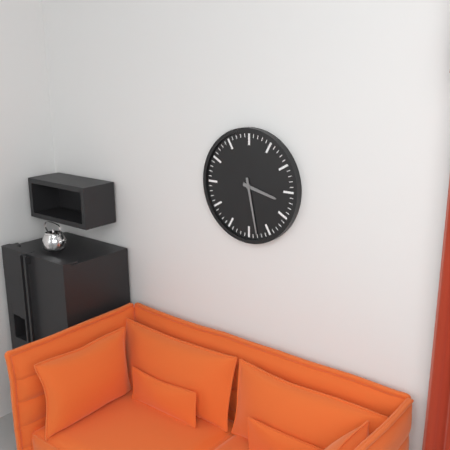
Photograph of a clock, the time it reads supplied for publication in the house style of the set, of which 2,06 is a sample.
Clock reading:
3,28
